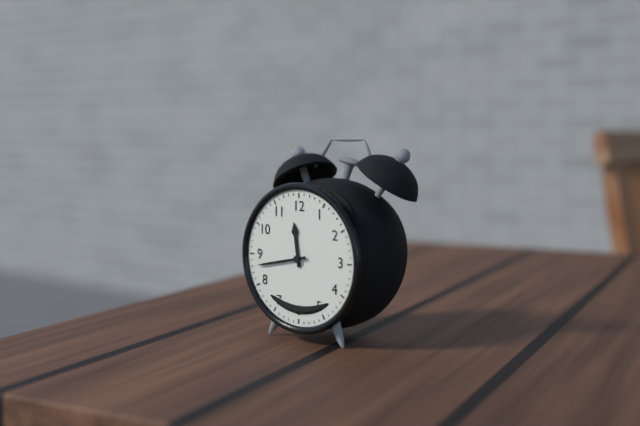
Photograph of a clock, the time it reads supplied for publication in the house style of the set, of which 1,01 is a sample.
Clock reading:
11,43
